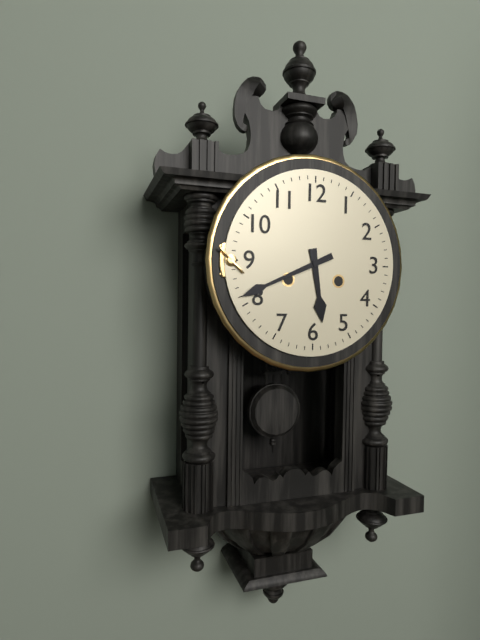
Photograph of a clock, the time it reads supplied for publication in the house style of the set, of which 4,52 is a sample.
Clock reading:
5,41
